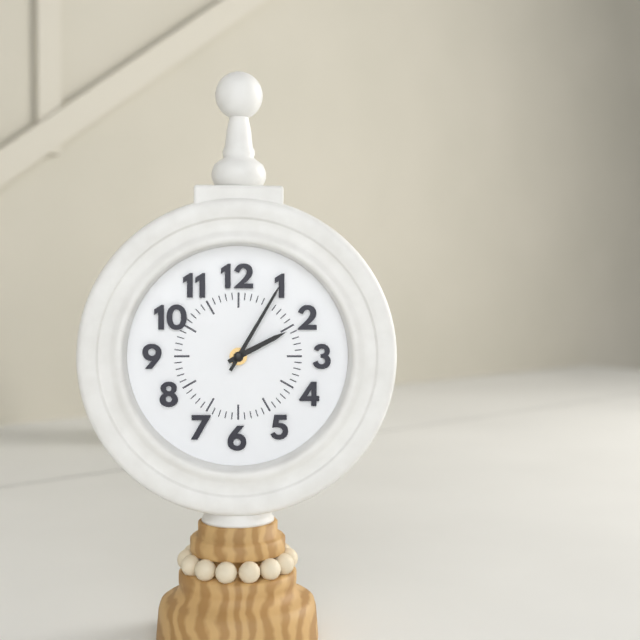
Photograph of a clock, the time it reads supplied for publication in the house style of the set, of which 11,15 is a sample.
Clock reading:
2,05
